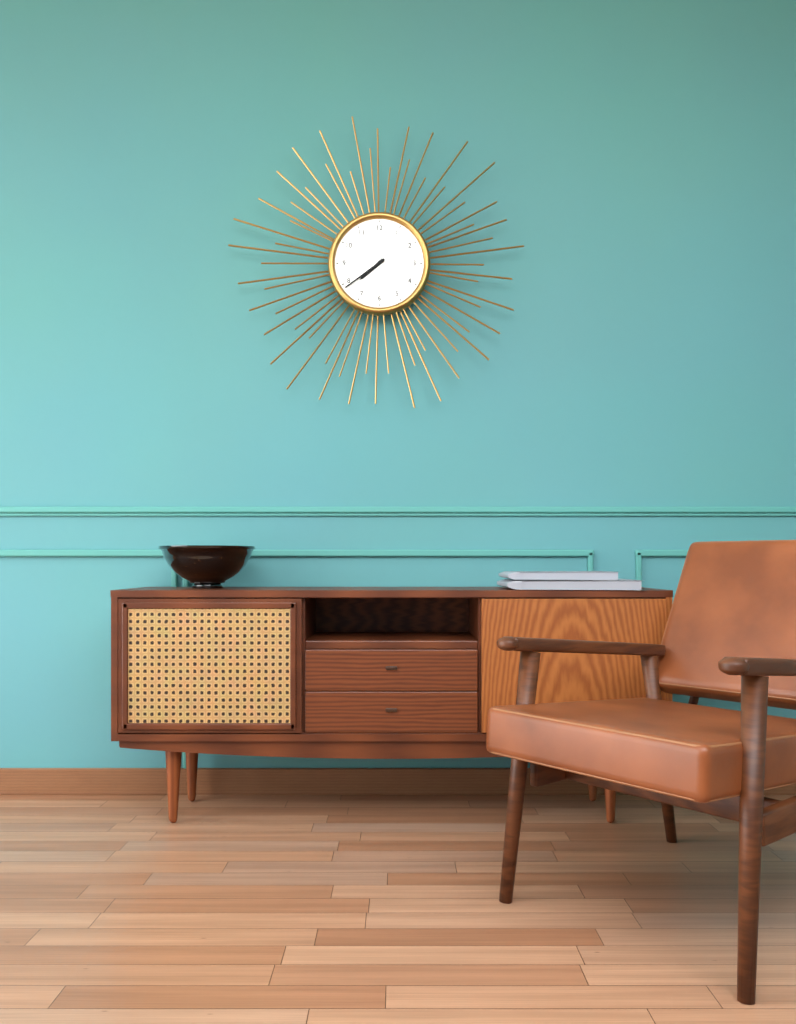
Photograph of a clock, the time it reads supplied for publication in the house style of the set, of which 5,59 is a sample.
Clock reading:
7,39
